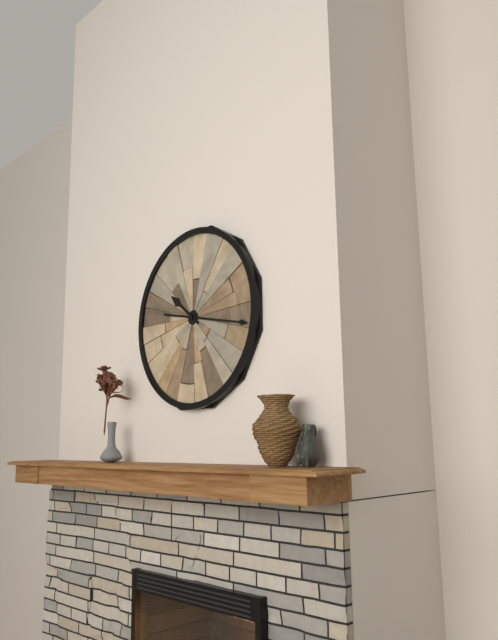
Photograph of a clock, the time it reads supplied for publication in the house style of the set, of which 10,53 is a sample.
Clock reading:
10,17
